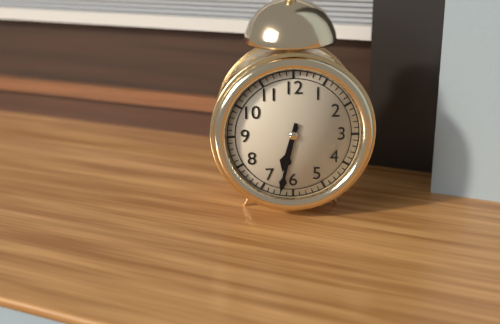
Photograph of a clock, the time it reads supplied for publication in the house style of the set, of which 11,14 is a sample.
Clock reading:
6,32
